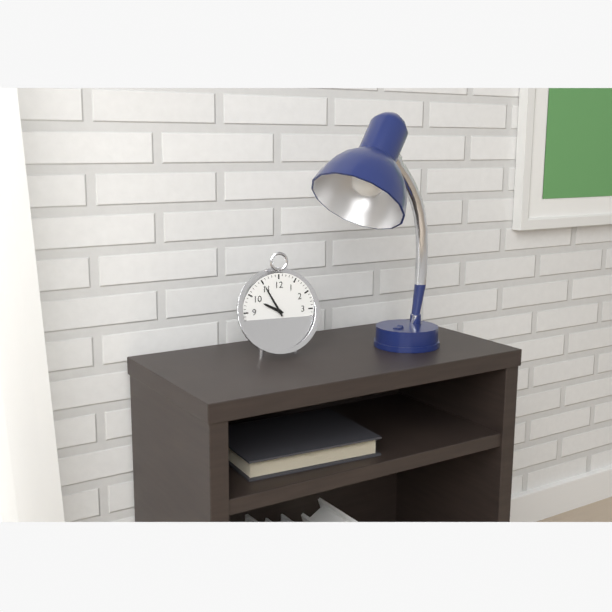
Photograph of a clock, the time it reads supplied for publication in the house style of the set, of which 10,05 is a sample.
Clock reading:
9,55
